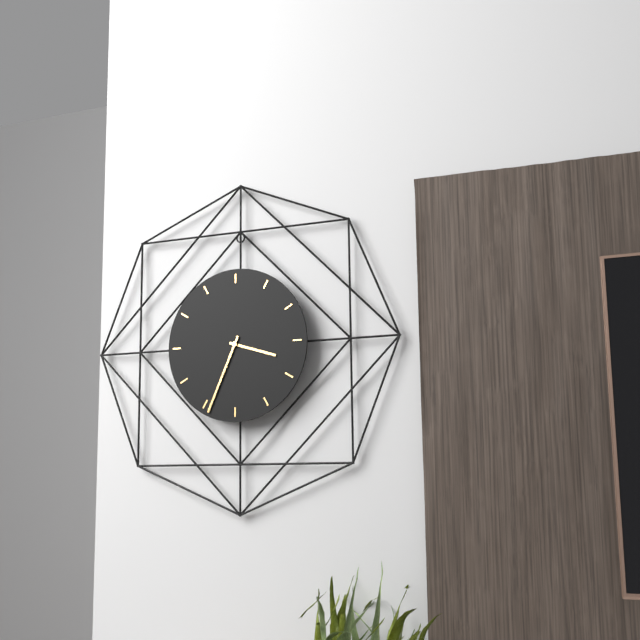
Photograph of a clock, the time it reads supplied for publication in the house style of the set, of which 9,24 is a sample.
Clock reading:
3,34
